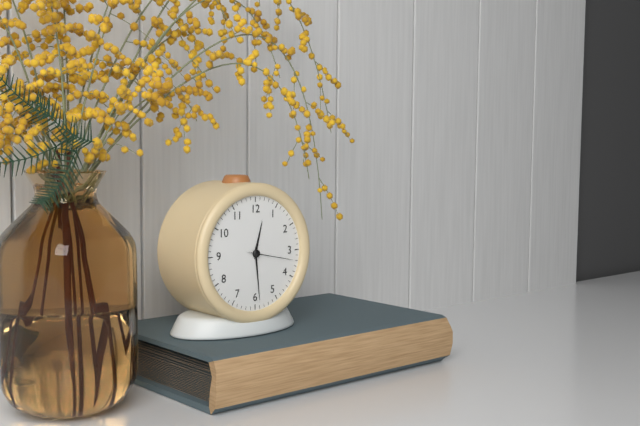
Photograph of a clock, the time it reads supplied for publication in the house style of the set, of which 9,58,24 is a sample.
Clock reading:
12,29,17
